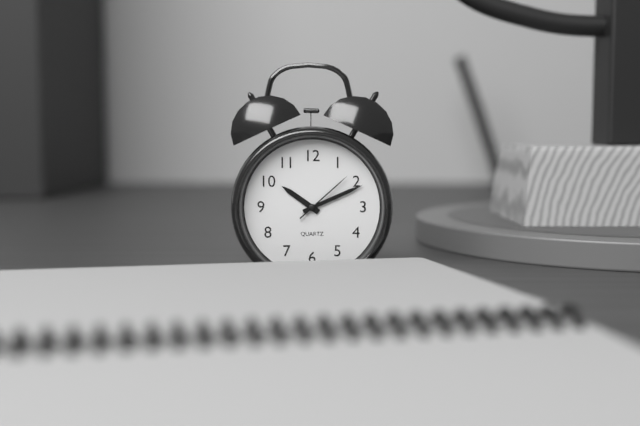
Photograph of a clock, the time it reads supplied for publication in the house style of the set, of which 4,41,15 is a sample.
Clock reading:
10,11,08
